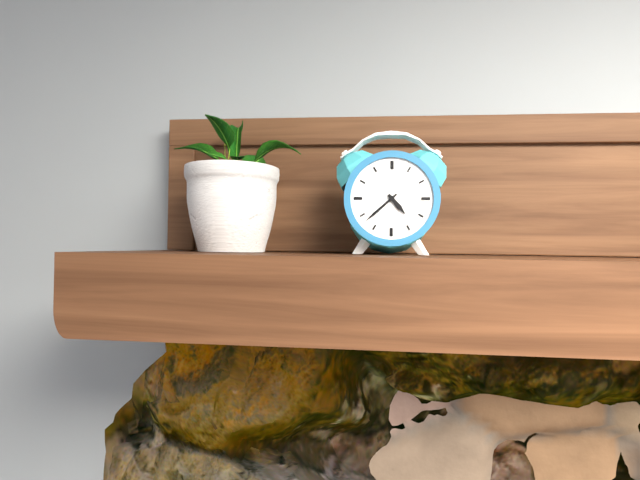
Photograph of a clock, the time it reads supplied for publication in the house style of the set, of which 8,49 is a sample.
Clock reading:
4,38
